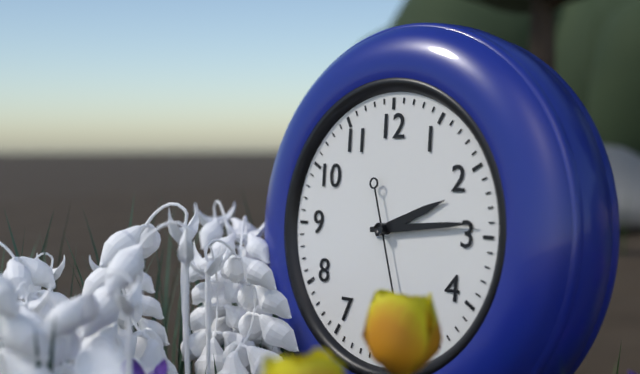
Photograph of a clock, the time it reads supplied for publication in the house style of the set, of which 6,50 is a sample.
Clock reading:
2,14
